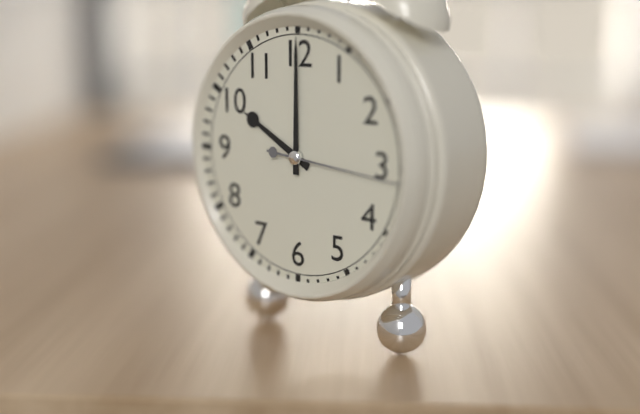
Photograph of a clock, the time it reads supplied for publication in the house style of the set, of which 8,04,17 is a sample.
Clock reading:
10,00,16
